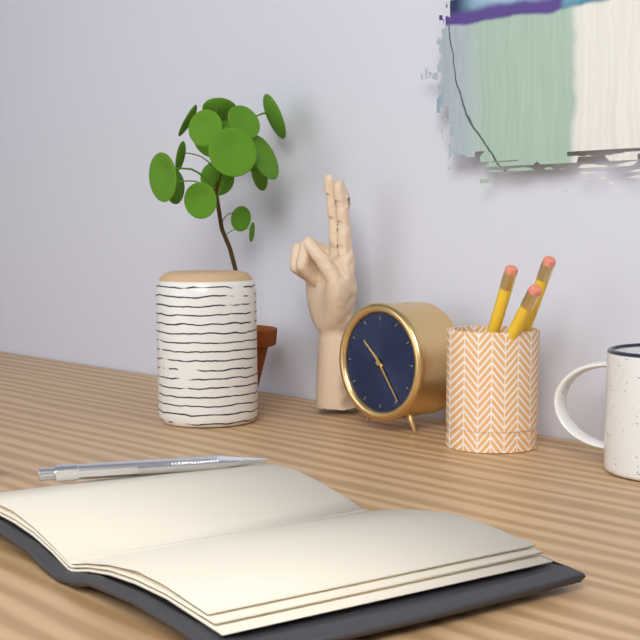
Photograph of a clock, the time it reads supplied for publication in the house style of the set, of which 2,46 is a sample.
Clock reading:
10,24
